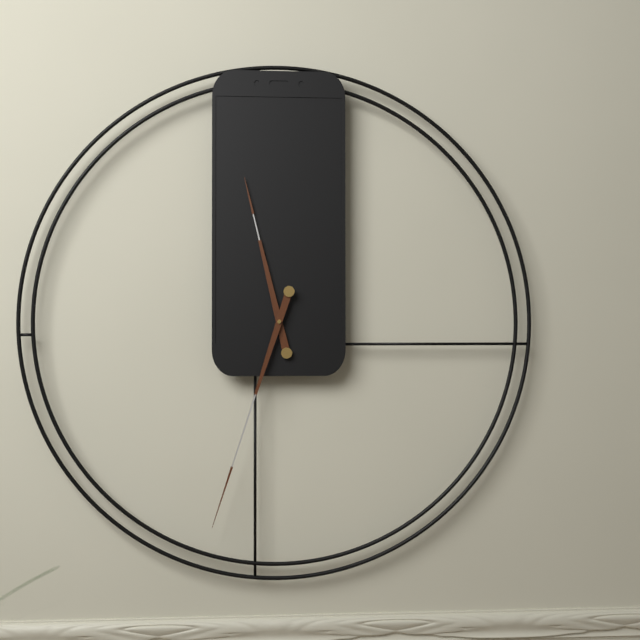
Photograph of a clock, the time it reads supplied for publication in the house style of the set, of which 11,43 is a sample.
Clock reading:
11,33
